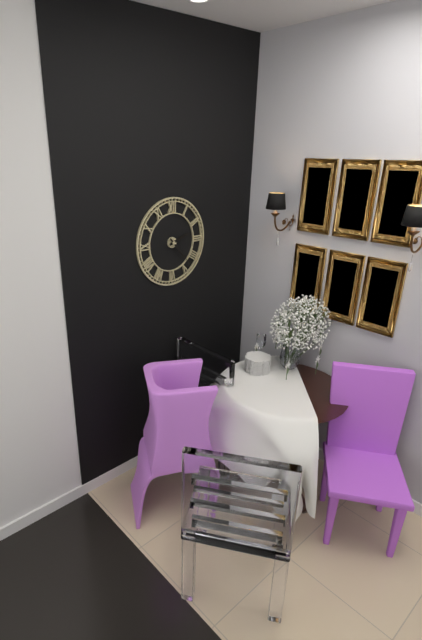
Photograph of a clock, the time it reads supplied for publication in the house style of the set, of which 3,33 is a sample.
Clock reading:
2,23
